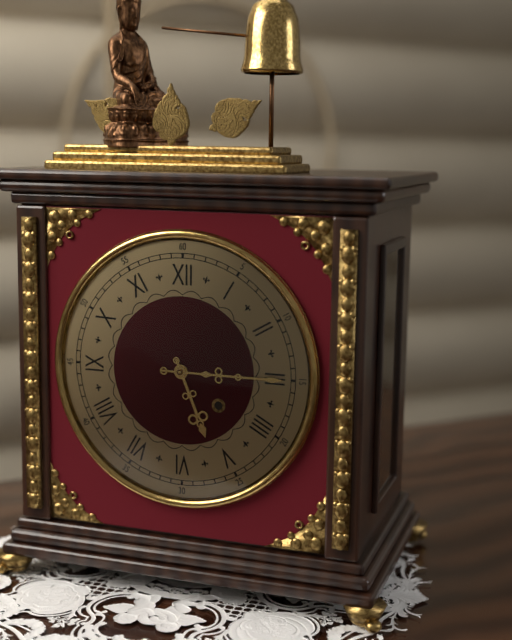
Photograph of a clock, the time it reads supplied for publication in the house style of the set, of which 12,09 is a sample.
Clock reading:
5,15
